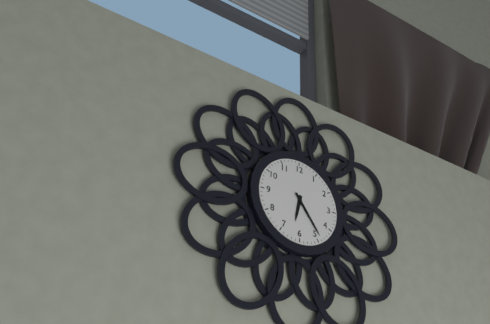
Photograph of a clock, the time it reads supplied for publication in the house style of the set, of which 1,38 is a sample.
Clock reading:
6,24
